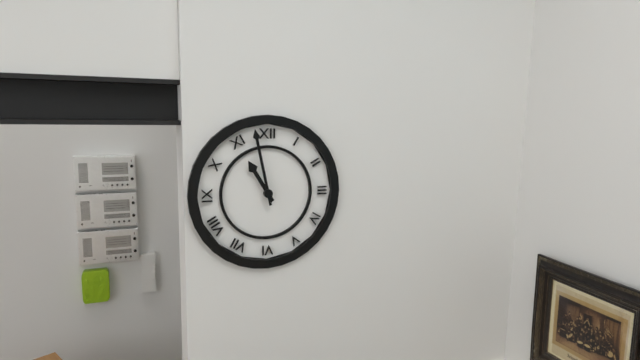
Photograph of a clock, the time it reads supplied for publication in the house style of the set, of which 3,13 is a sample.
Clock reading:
10,58
